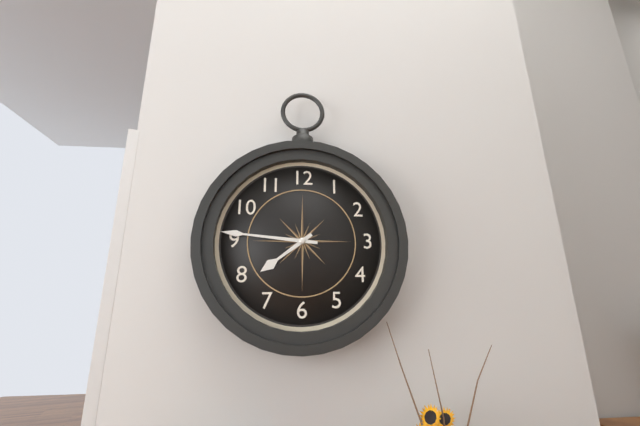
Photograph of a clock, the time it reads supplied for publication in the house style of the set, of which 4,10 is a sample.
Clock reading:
7,46
